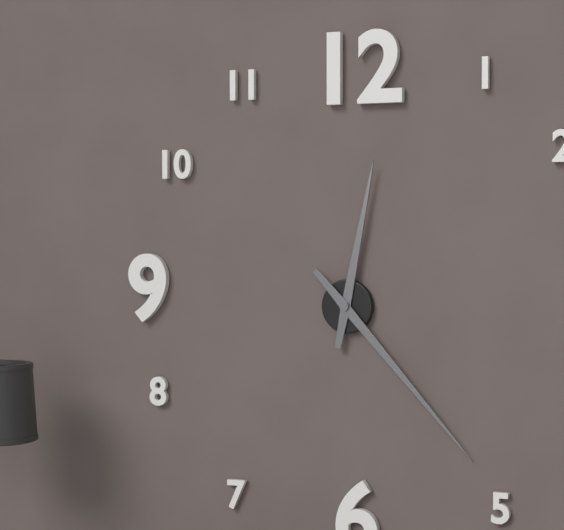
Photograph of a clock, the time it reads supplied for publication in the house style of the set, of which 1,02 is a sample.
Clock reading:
12,23
